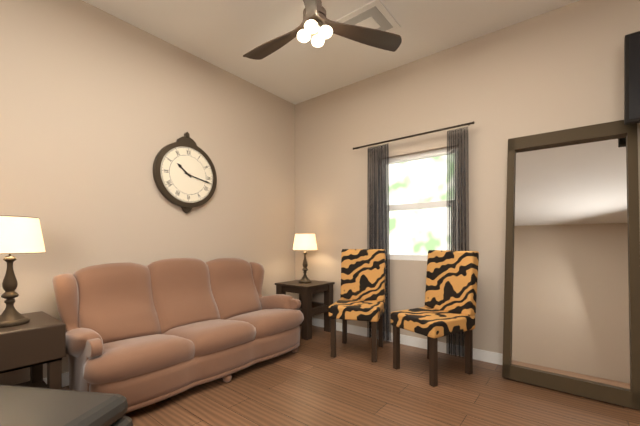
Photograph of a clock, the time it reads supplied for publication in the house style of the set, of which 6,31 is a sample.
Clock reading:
10,17
